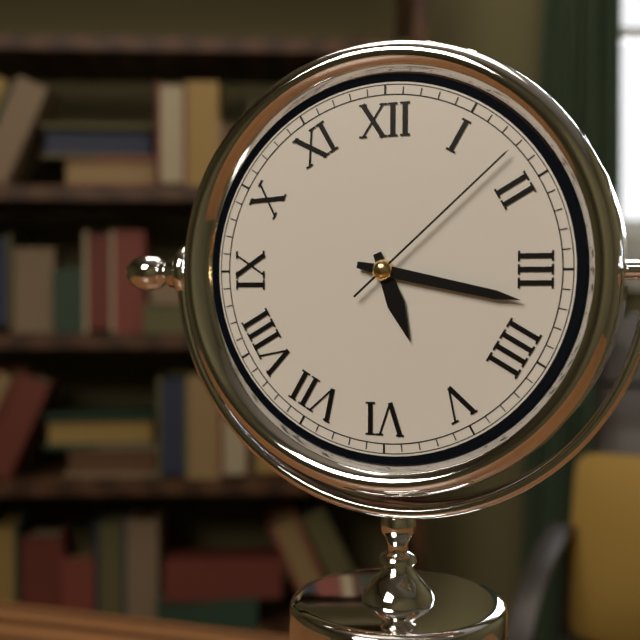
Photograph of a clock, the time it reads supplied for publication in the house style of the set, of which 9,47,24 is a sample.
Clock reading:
5,17,08
